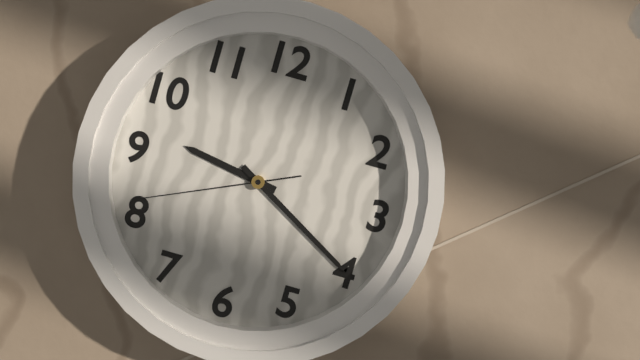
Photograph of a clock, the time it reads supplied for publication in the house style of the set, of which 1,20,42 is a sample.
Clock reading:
9,20,41
